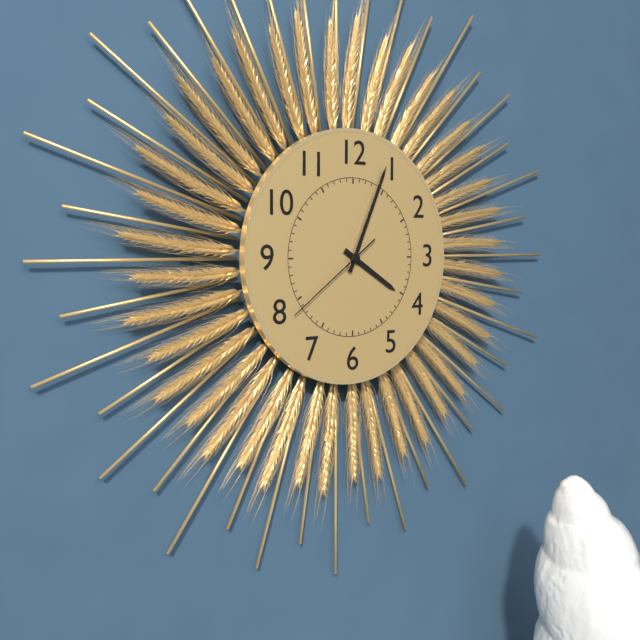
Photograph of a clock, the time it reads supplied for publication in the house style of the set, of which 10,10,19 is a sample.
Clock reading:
4,04,39
